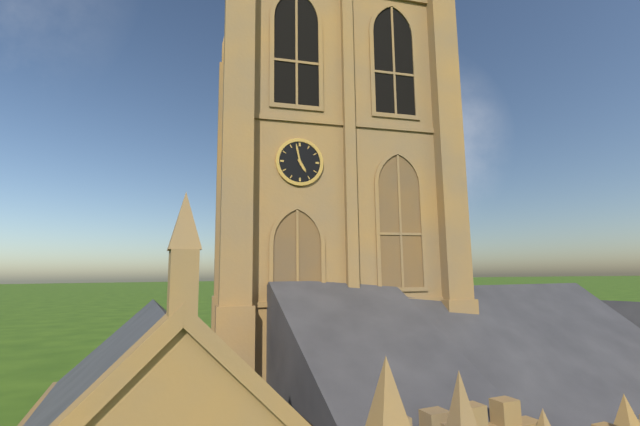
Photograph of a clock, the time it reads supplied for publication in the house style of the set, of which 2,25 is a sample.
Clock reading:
4,58
